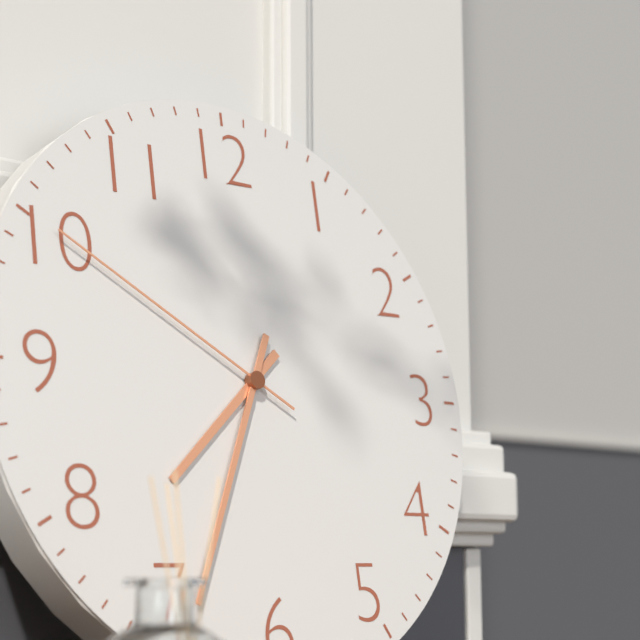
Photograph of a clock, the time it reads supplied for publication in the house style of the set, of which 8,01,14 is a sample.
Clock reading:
7,34,50
